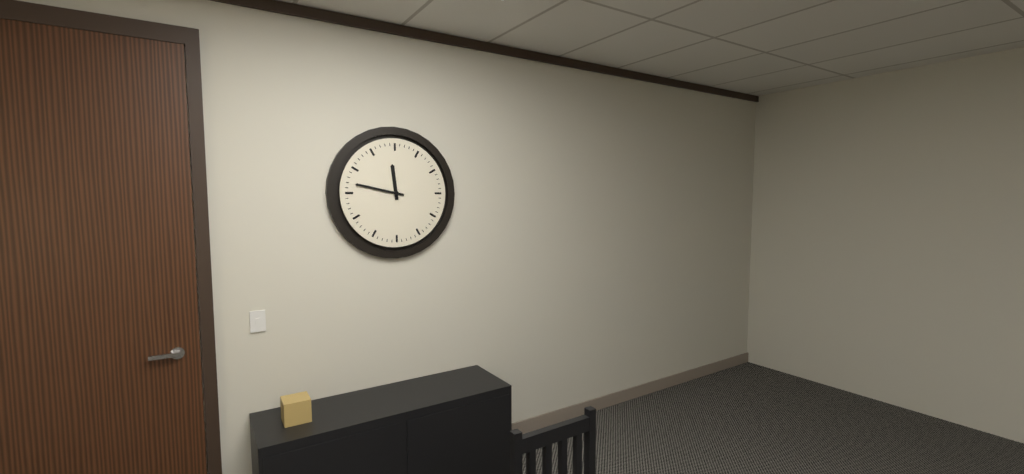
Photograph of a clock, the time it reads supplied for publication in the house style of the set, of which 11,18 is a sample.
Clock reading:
11,47
